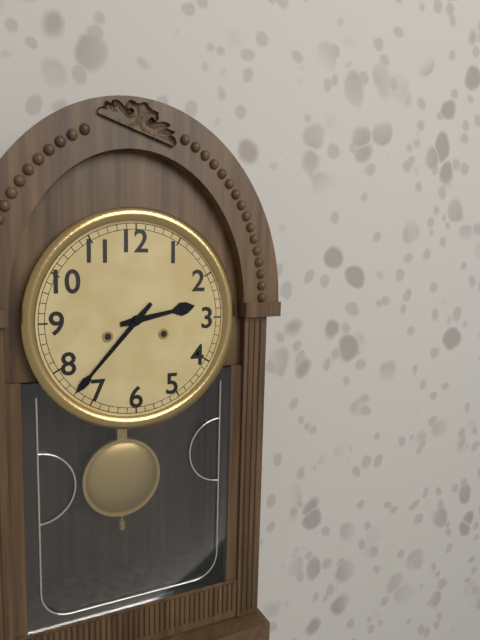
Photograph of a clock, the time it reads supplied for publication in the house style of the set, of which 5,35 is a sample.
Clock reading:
2,37
